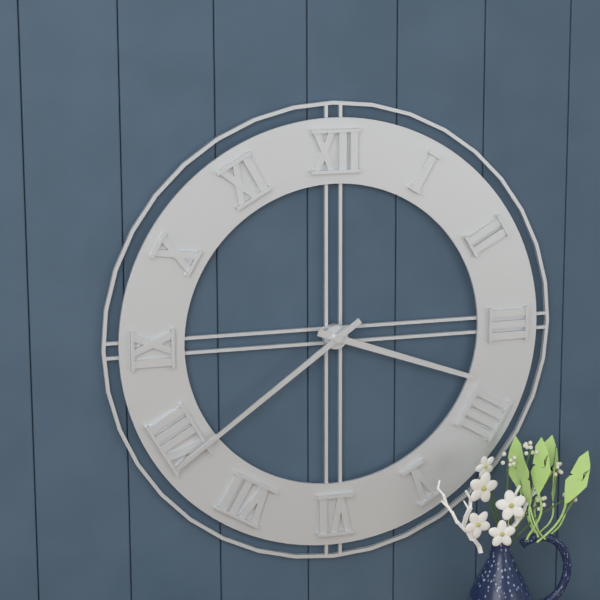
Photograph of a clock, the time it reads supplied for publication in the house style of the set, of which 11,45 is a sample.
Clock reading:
3,39
